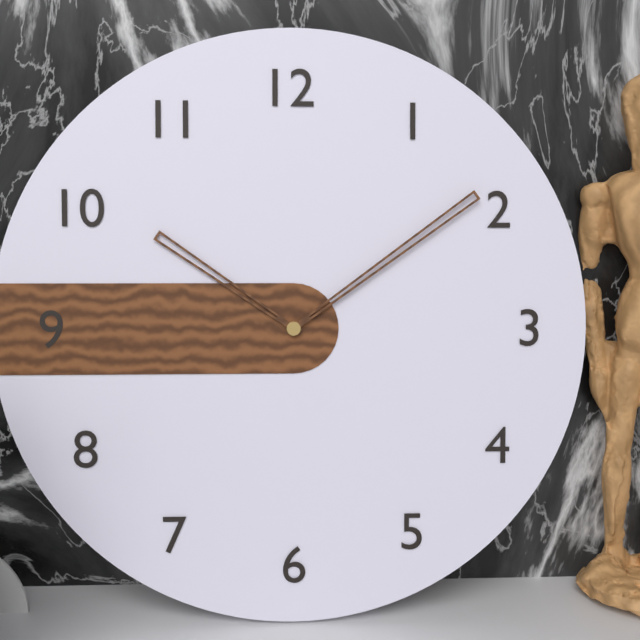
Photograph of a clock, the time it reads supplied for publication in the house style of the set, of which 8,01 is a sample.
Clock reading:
10,09
